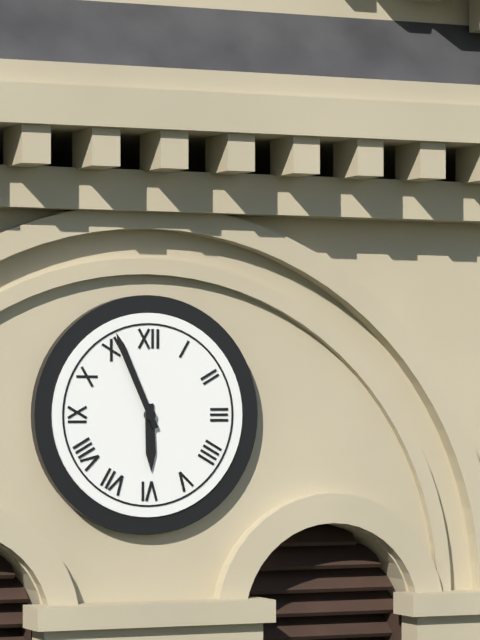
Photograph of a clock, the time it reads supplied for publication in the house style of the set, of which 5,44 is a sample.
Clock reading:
5,56
